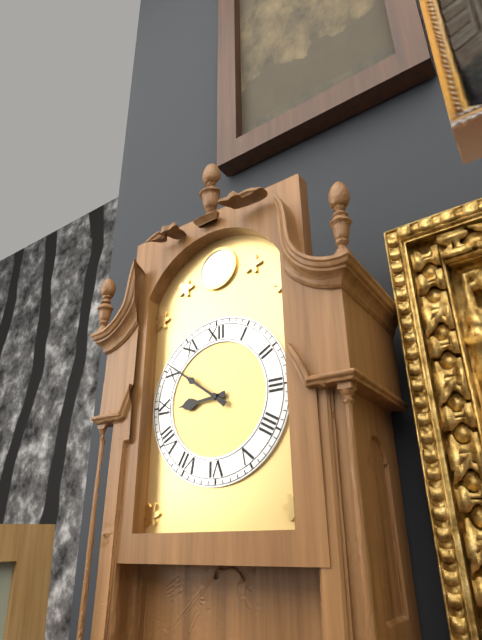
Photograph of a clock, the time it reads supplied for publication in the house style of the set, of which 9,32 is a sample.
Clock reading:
8,51
